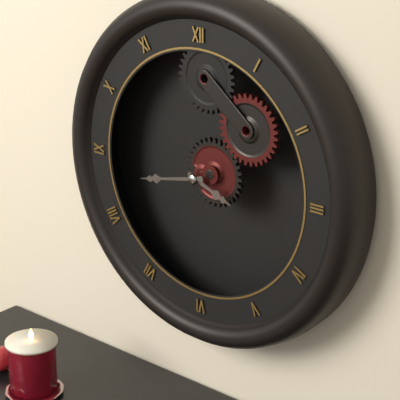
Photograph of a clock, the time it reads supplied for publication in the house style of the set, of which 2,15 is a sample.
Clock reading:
3,43
